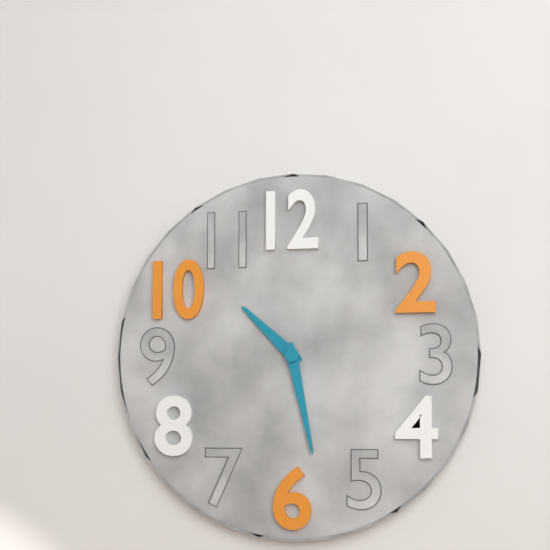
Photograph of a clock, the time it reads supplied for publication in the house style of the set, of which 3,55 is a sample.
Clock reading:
10,28
